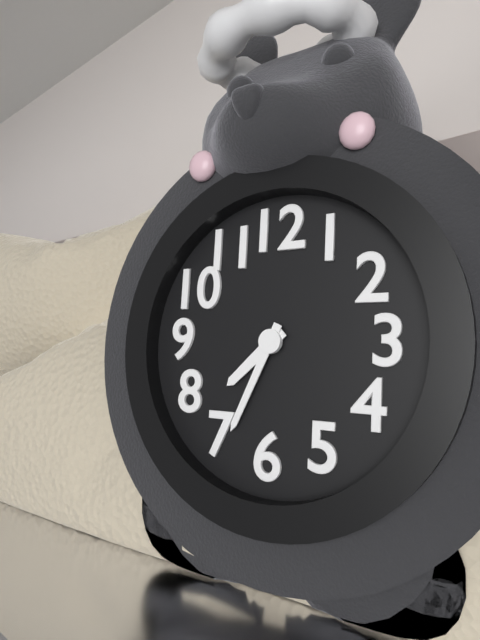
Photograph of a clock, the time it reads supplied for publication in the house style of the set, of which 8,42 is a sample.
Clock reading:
7,34
